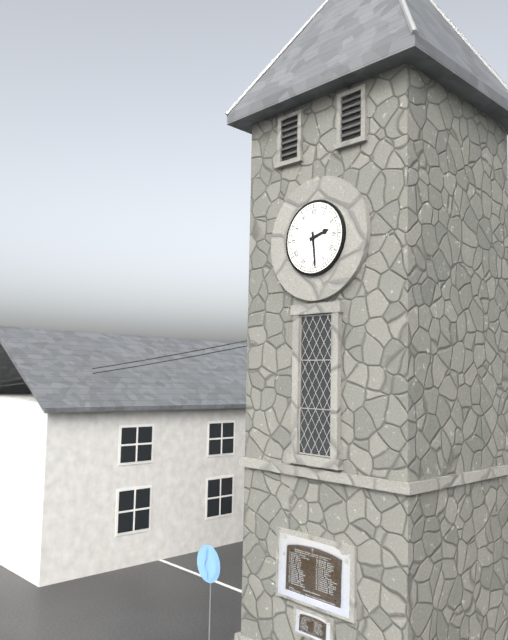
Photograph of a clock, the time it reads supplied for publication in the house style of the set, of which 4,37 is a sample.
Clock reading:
2,29
